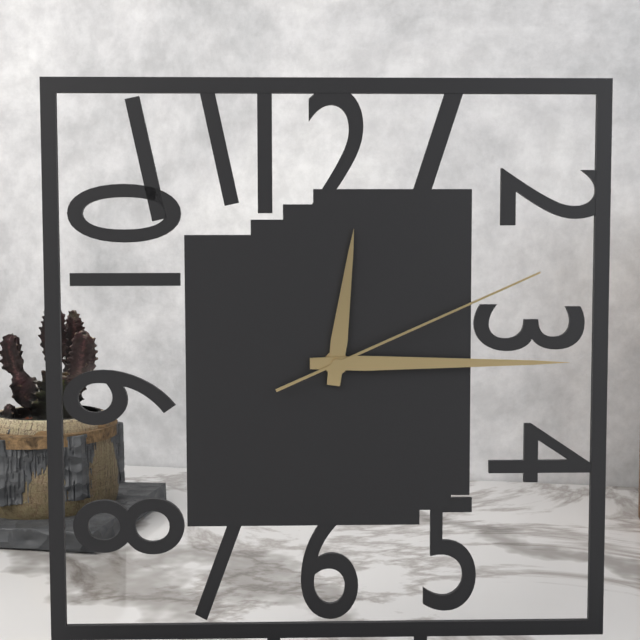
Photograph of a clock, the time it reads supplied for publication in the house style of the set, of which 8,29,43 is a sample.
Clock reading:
12,15,11
